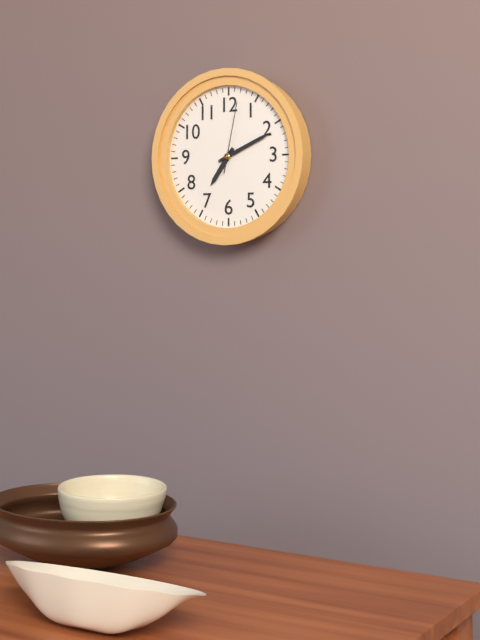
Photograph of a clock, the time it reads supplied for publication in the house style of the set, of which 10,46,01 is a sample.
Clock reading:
7,11,02
